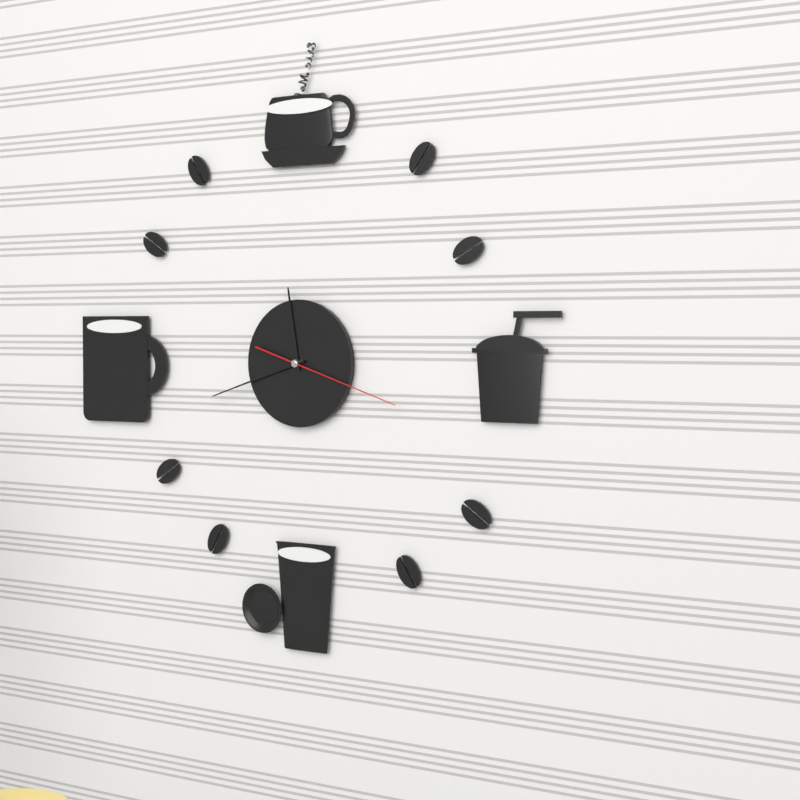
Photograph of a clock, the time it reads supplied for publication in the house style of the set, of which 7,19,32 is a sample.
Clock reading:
11,42,18
